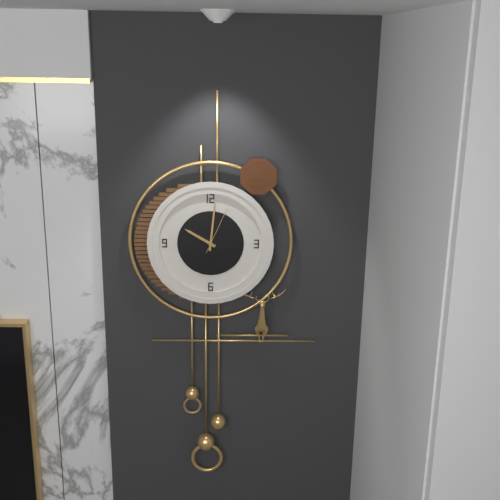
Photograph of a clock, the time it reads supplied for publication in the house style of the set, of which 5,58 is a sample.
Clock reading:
10,01
